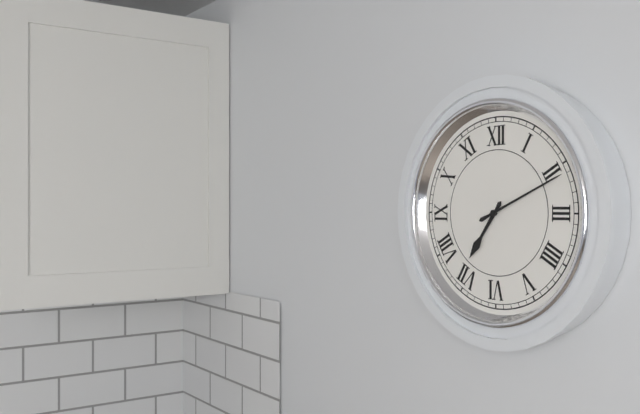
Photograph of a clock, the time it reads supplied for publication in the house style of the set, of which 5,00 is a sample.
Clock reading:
7,11
